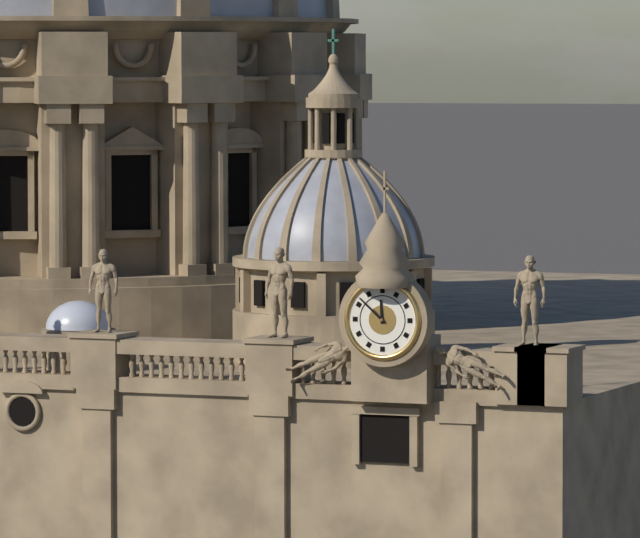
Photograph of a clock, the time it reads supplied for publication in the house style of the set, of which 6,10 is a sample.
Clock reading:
11,52
